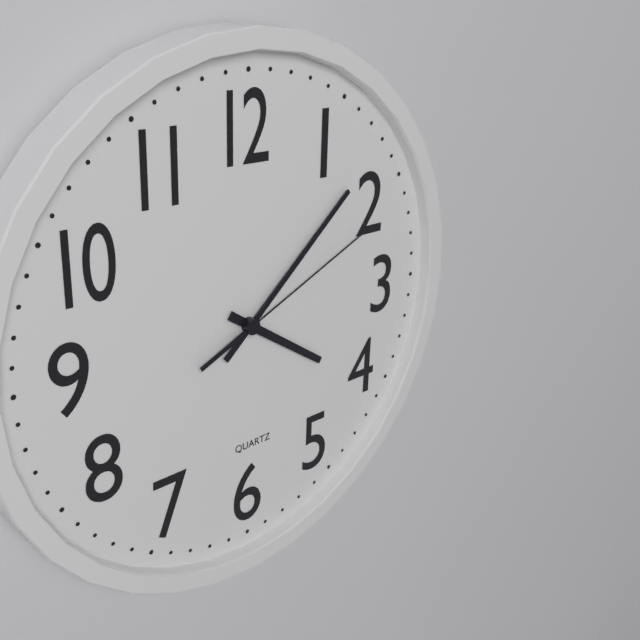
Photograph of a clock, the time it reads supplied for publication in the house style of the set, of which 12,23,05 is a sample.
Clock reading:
4,08,11
